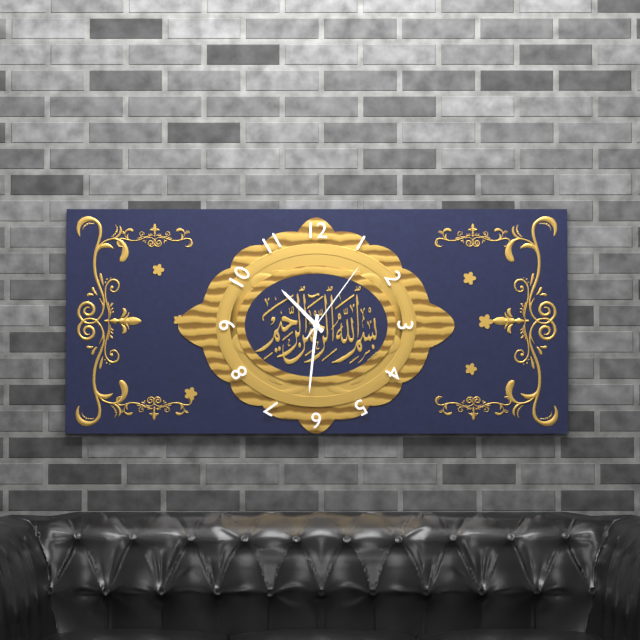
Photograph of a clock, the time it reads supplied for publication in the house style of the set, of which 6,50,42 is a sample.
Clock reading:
10,31,06
